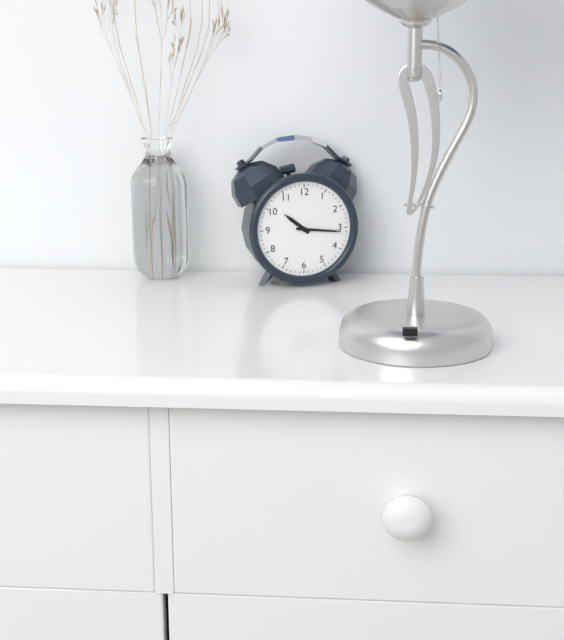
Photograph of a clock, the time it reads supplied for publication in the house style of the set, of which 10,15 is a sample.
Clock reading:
10,16
